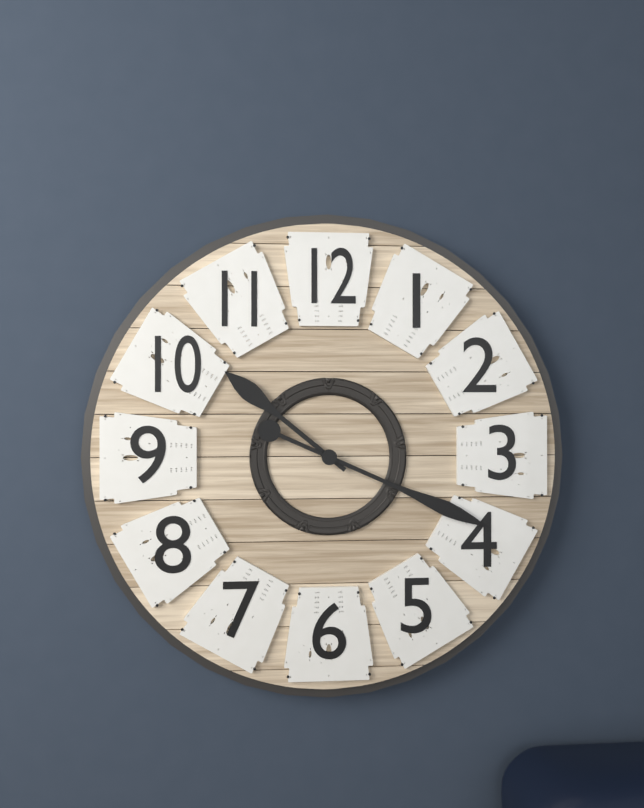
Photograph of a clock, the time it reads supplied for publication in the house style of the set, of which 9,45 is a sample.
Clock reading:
10,19
